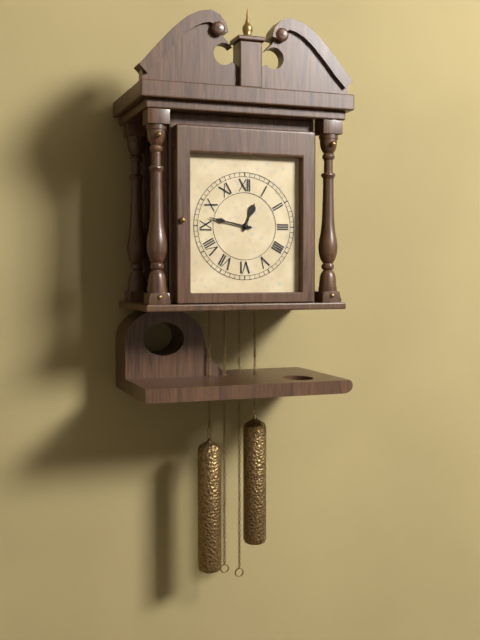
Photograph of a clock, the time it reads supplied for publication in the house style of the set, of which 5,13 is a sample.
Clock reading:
12,47
